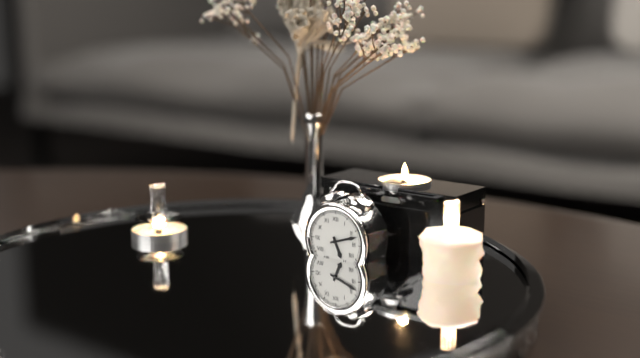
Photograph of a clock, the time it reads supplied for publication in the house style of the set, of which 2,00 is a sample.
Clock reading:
5,12
